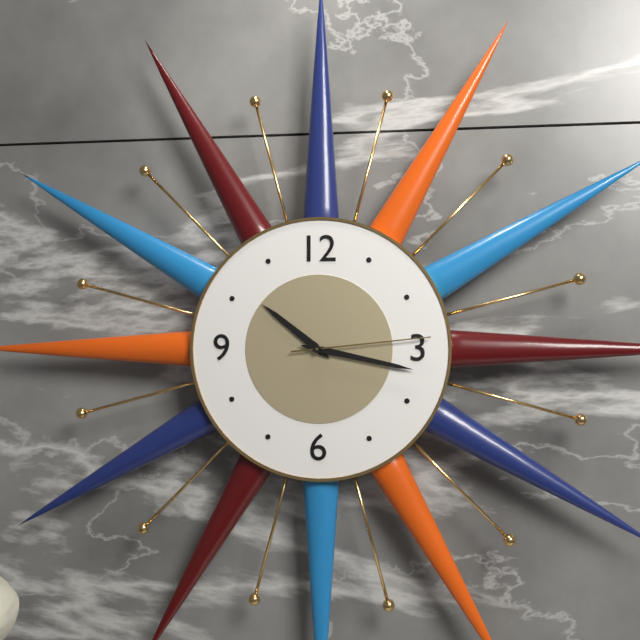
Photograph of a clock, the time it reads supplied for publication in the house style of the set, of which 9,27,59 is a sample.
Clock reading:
10,17,14
